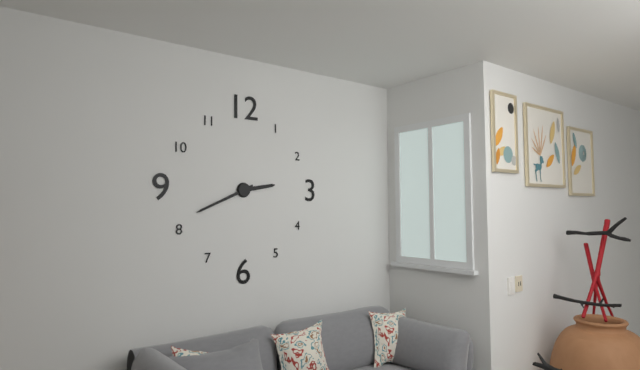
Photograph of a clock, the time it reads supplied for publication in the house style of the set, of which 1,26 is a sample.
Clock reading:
2,41
